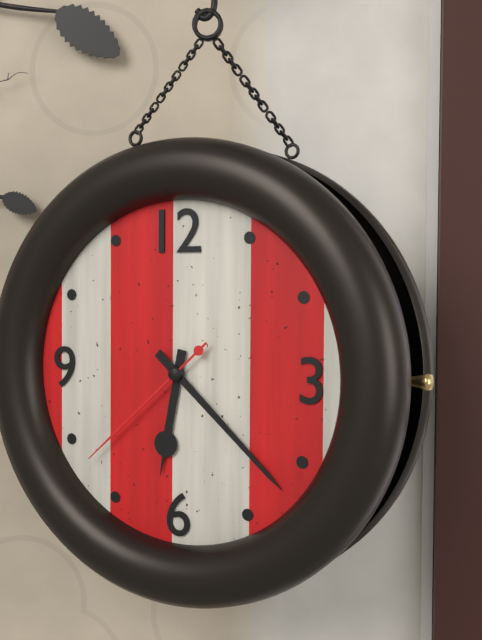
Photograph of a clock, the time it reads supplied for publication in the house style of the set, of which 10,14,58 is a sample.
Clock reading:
6,22,38
